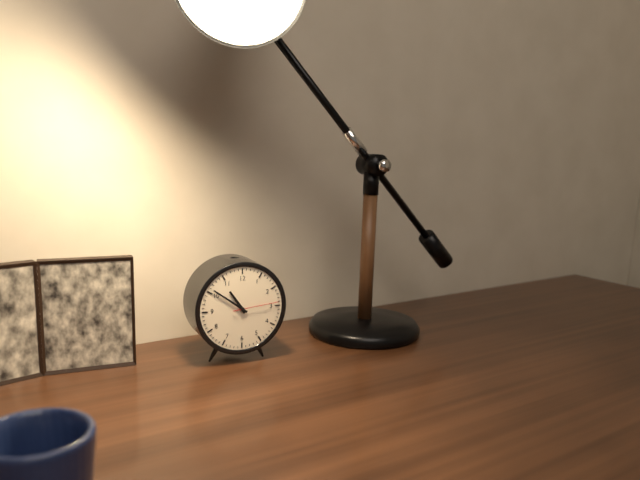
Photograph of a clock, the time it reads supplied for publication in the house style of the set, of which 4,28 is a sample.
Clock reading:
10,51
